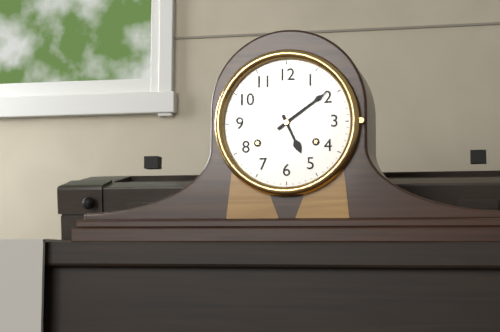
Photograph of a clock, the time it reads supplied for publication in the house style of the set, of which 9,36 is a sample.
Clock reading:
5,09
